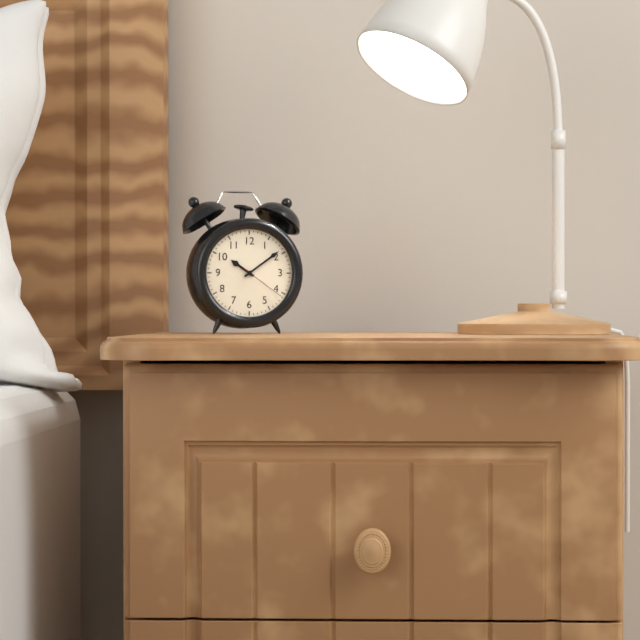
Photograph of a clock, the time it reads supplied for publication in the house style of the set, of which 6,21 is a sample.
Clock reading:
10,09
